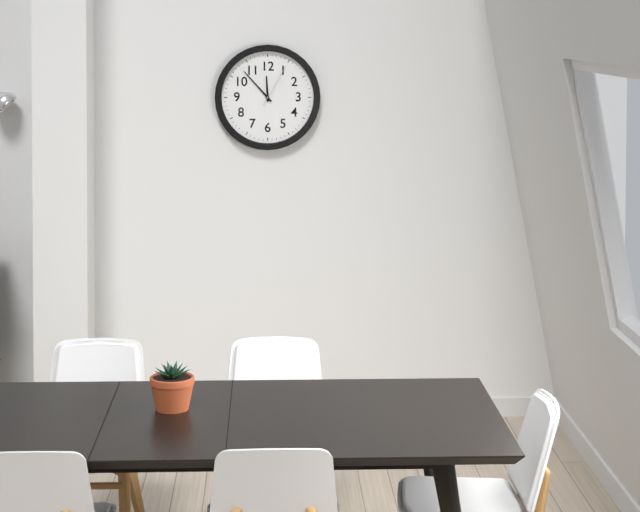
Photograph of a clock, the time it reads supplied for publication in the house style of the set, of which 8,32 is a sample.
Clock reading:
11,53
